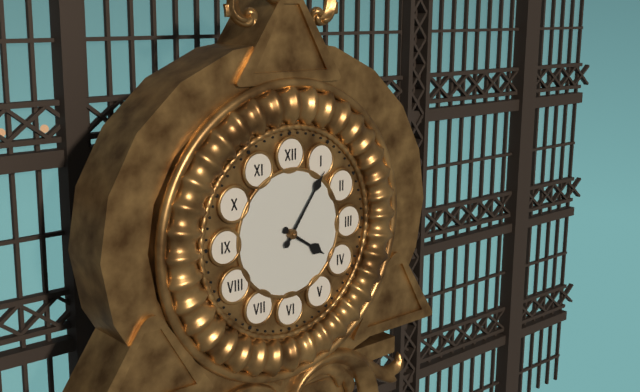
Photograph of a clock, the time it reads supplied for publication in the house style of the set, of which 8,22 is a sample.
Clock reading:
4,06
